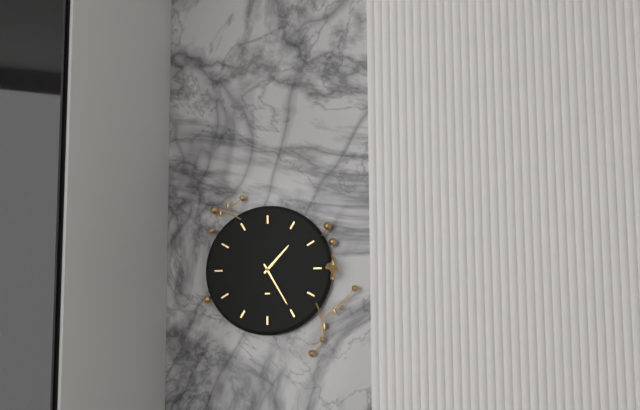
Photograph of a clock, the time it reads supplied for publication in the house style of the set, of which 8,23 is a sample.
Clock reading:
1,25
